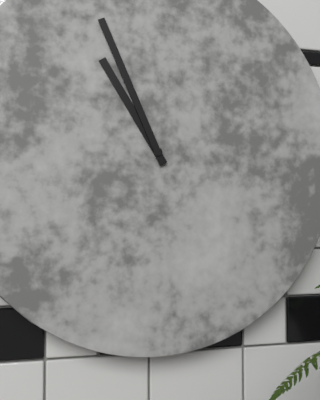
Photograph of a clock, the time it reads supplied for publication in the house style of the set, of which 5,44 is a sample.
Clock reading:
10,56
